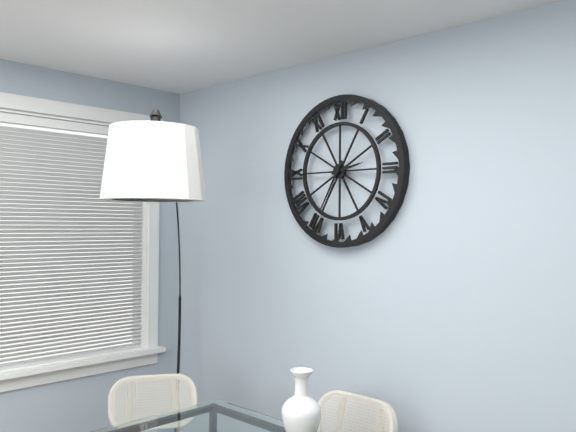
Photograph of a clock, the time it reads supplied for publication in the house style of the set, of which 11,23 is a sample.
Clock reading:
2,35
